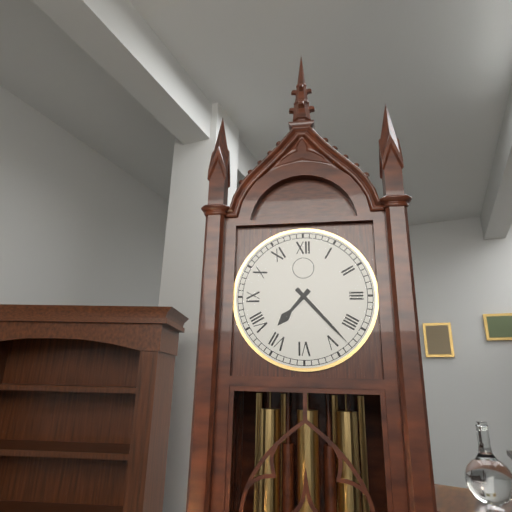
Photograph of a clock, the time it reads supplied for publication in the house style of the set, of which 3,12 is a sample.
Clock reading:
7,23
